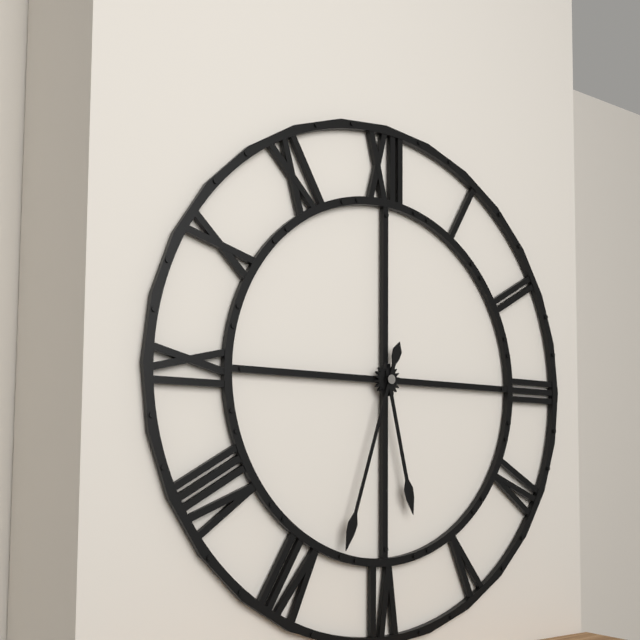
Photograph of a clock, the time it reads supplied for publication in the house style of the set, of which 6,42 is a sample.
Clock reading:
5,33
